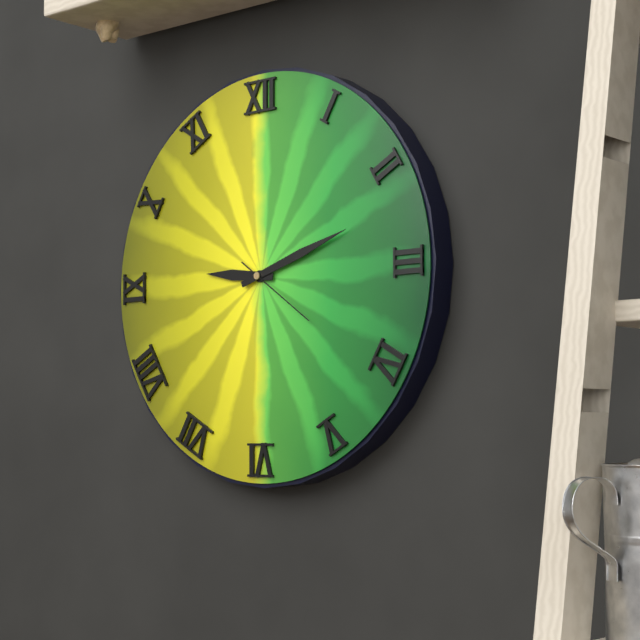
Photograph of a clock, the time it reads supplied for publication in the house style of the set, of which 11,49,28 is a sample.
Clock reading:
9,12,21
